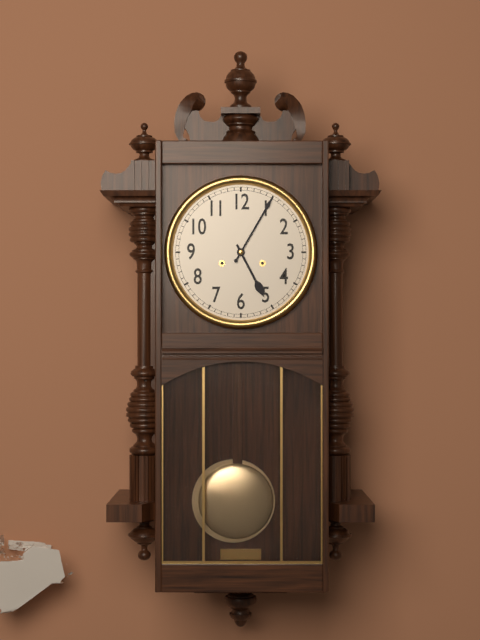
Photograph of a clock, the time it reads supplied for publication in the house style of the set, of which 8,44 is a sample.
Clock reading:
5,05
